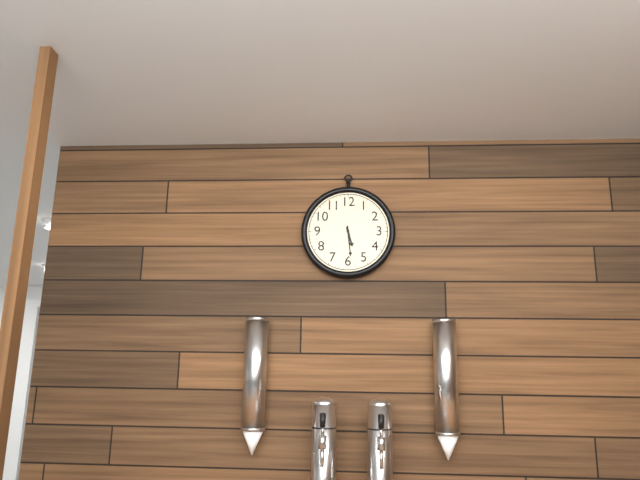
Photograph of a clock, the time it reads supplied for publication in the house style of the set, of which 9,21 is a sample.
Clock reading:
5,29
